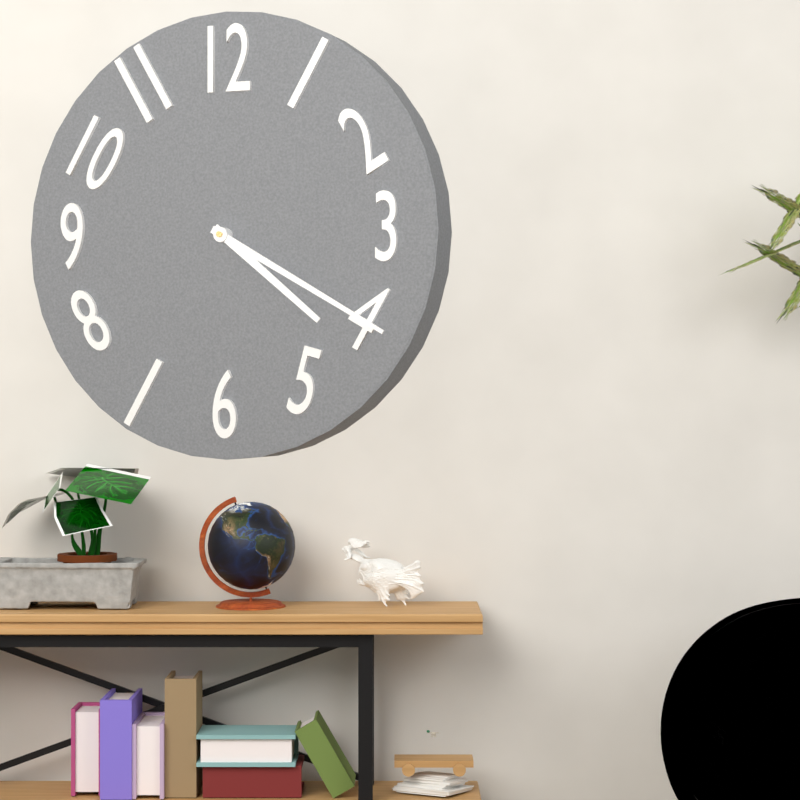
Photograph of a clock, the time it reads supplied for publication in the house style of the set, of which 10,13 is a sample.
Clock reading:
4,20
